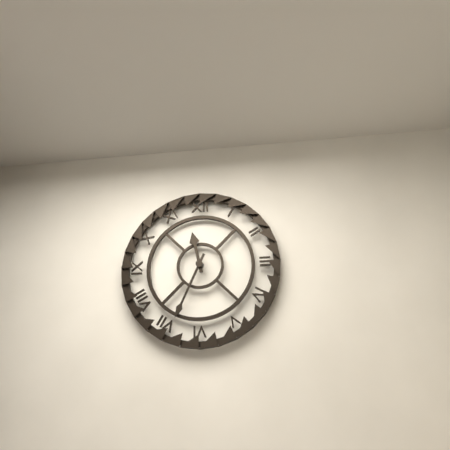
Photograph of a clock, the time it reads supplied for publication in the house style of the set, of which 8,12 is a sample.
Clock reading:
11,34
